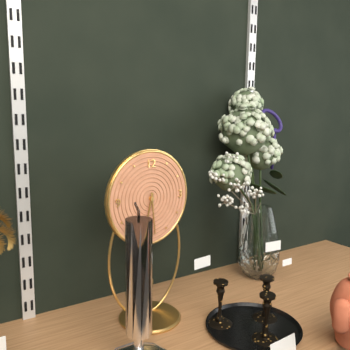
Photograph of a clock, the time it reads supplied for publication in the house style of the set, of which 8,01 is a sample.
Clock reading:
6,29
